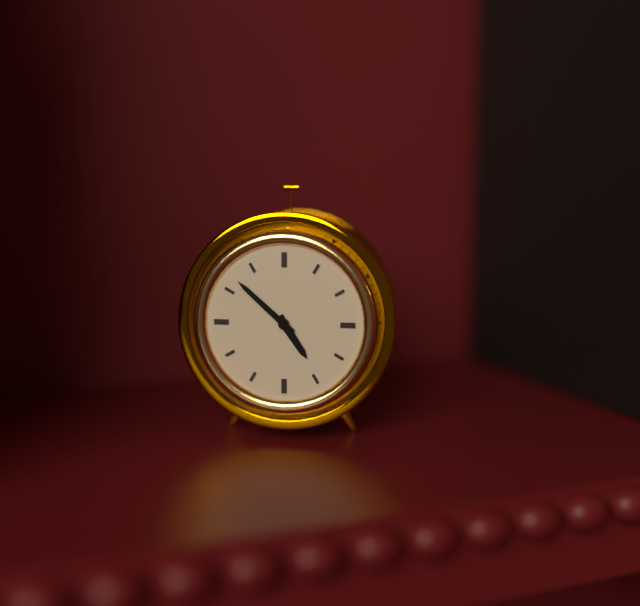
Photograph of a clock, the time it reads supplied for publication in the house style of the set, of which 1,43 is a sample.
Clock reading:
4,52
